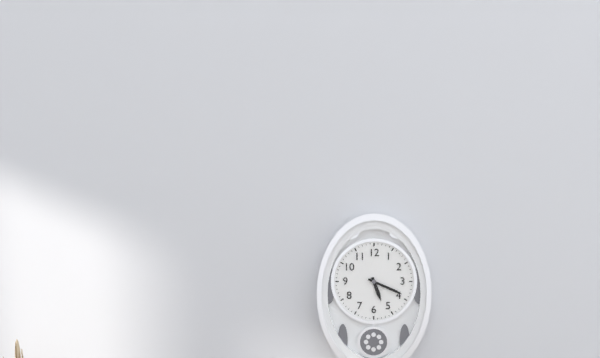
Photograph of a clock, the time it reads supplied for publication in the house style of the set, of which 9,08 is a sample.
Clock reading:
5,19
